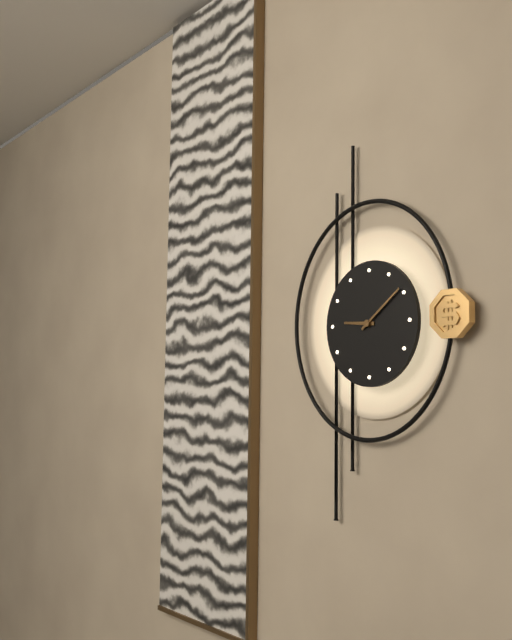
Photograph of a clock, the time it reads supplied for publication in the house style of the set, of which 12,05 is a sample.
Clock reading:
9,09
